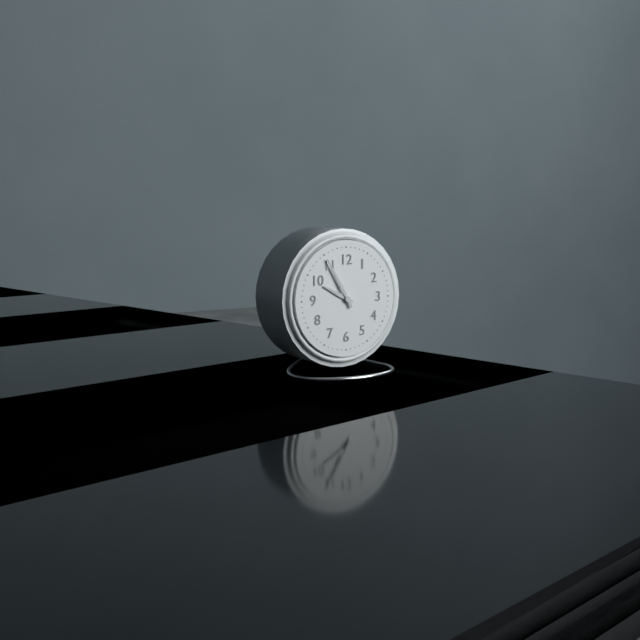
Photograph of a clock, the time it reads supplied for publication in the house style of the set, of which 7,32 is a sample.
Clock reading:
9,55
